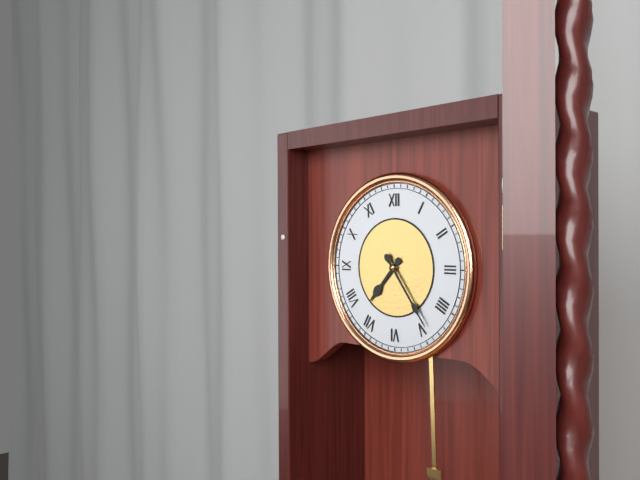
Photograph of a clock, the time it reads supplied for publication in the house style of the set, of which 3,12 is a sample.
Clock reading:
7,24
